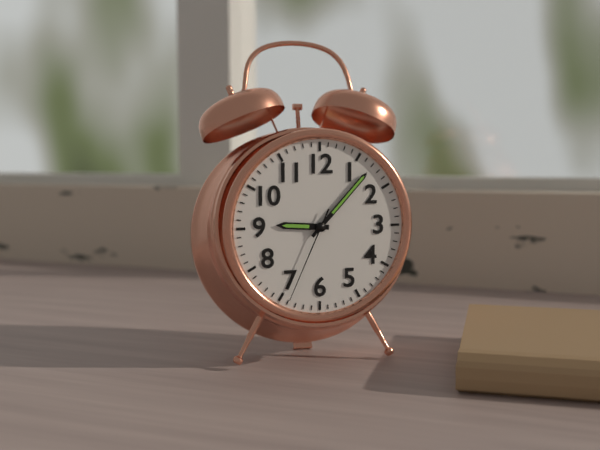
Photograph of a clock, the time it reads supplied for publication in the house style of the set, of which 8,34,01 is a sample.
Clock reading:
9,07,34
